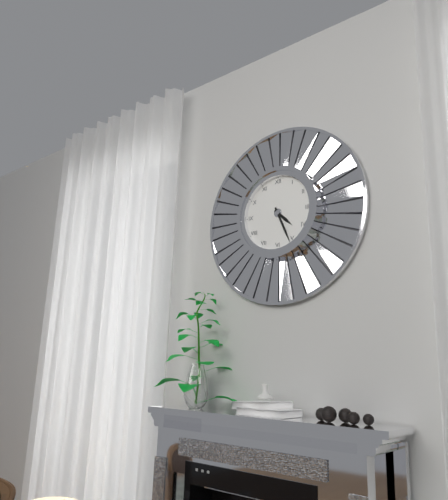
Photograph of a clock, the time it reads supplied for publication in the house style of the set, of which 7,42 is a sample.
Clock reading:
4,26
